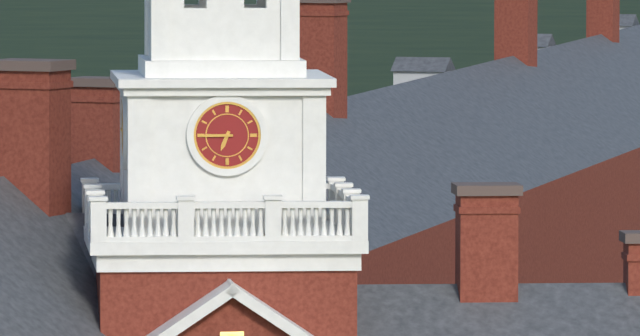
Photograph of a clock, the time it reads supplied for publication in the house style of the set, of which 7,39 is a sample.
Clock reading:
6,45
